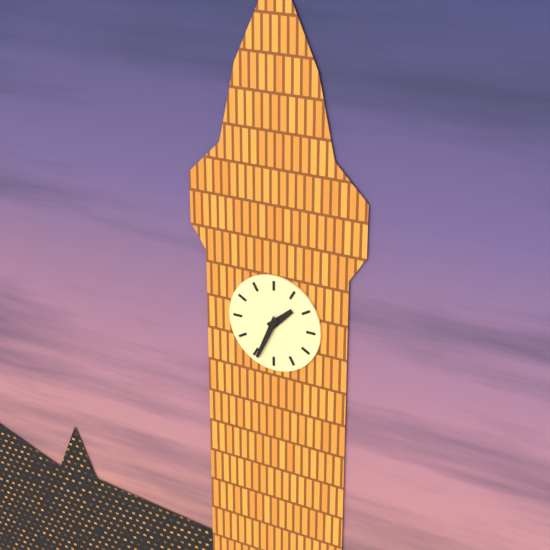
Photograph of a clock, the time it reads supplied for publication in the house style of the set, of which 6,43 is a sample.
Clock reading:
1,34
